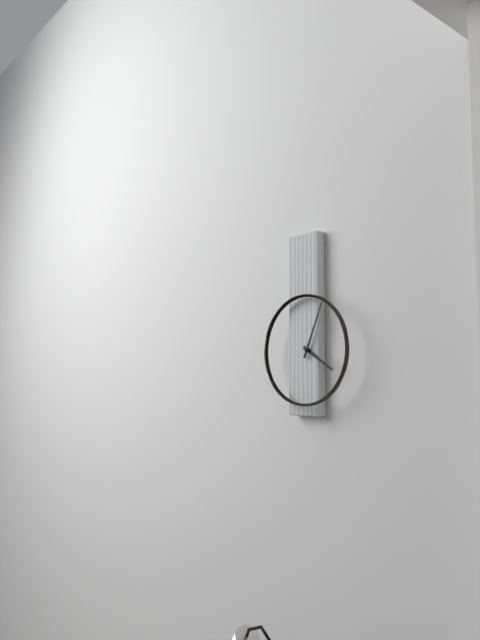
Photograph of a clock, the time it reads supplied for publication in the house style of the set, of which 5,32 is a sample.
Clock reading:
4,04
